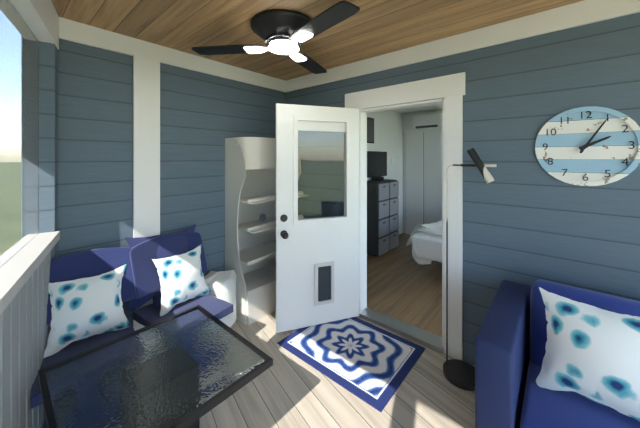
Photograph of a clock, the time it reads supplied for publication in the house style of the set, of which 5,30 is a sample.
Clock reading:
2,05
